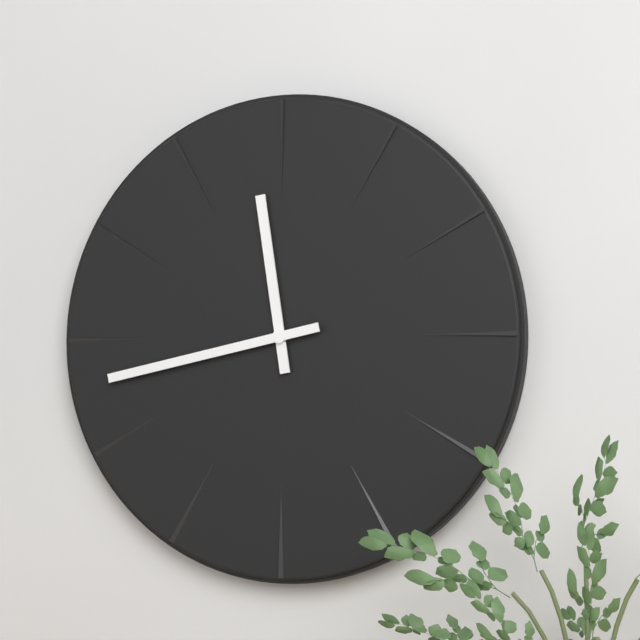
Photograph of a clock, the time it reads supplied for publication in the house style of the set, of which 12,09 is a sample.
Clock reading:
11,43
